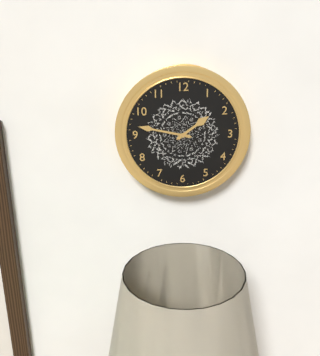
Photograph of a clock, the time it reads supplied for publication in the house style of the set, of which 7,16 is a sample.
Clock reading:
1,47
